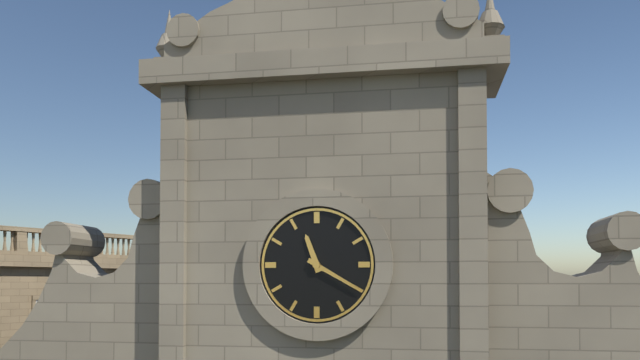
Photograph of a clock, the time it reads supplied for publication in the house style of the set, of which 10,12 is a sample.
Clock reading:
11,20
